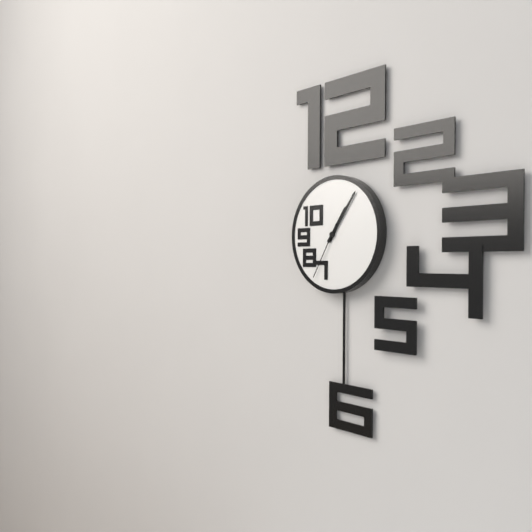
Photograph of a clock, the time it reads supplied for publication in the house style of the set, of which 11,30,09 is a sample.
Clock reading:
1,06,35
